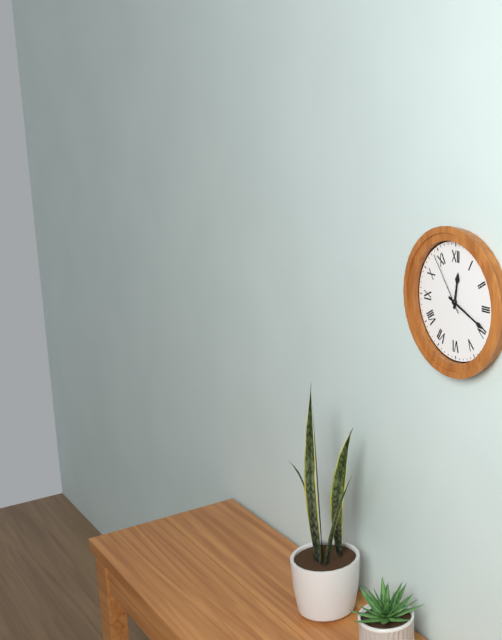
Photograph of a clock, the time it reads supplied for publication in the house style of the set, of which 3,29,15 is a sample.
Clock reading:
12,19,54
